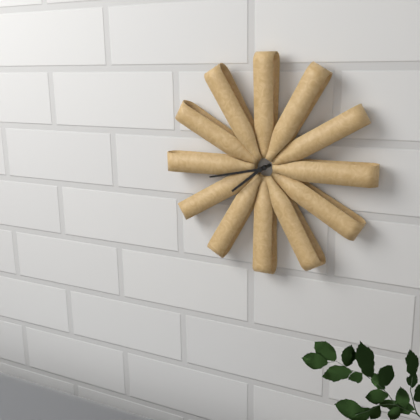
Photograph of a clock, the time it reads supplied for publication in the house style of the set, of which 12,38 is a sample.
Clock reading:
7,43
